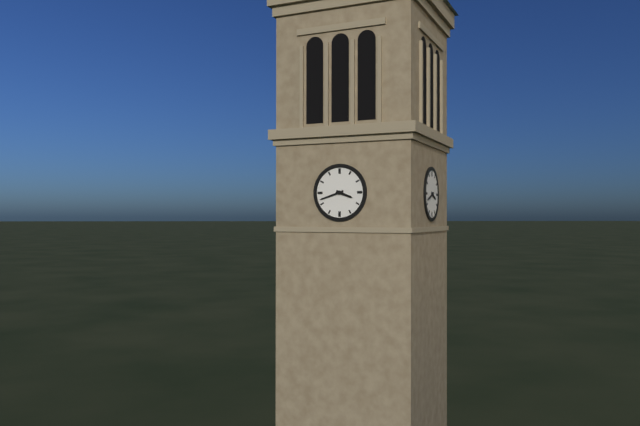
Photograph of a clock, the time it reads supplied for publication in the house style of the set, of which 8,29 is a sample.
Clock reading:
3,42
